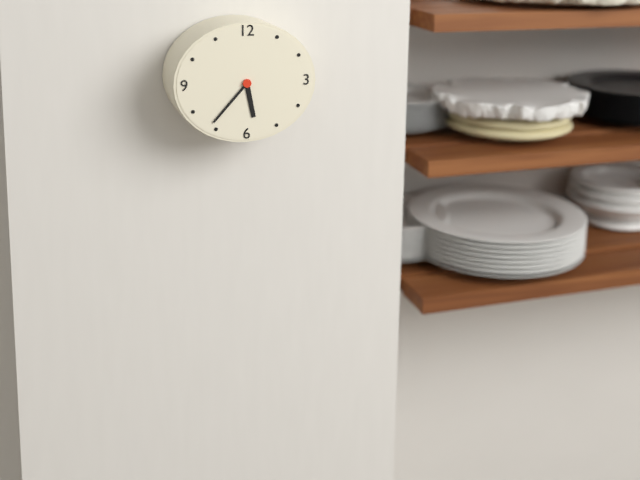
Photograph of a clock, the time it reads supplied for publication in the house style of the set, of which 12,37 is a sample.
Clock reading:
5,37
